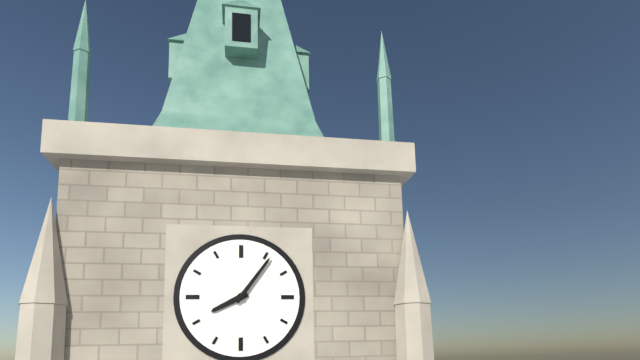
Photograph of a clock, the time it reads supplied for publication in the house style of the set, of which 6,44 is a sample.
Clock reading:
8,06
